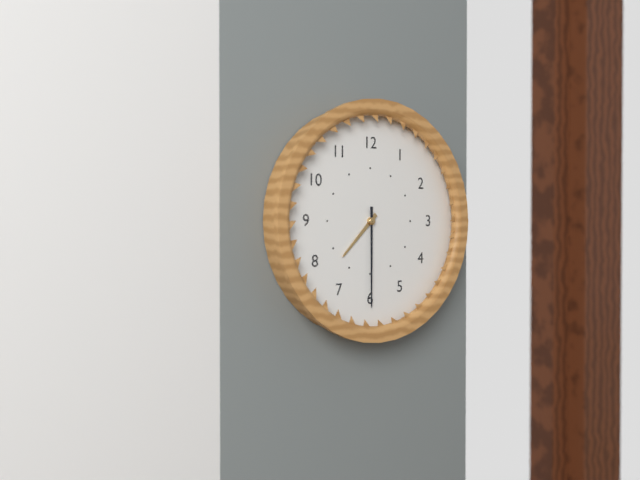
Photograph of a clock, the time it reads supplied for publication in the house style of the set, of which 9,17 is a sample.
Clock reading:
7,30
